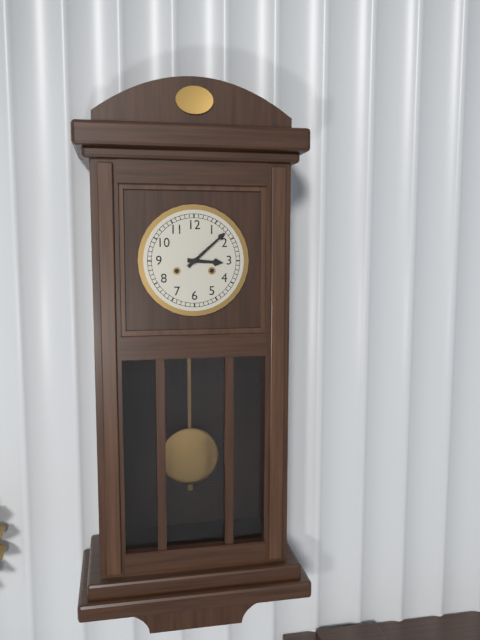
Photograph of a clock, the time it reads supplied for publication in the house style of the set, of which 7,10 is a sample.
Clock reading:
3,08
